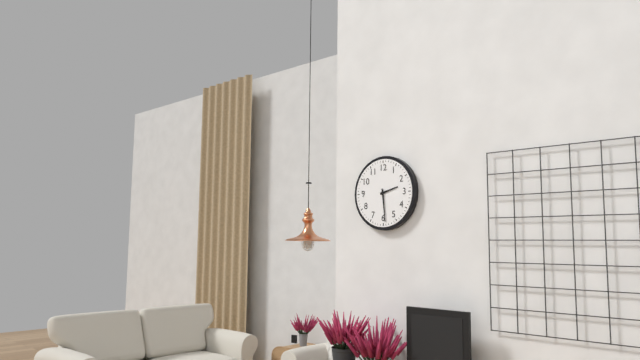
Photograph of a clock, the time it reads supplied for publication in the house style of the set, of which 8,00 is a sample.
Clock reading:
2,29
